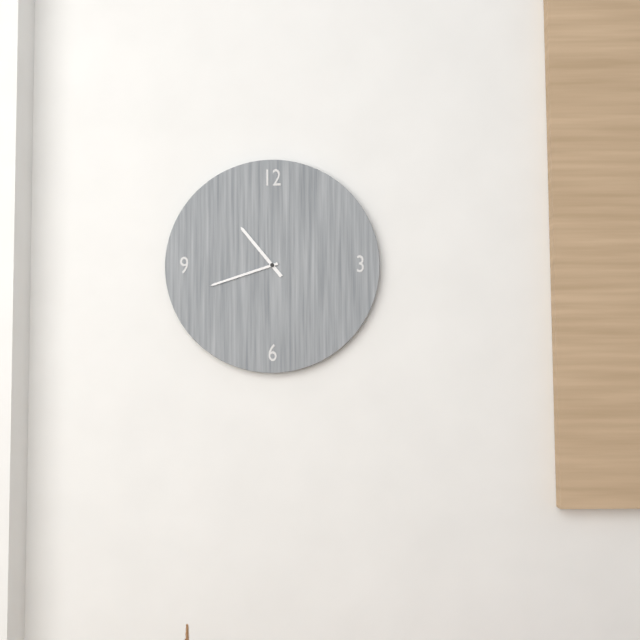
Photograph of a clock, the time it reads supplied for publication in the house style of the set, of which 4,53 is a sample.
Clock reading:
10,42
